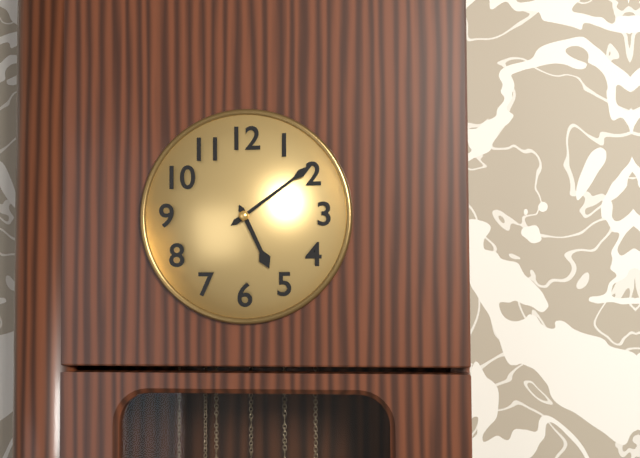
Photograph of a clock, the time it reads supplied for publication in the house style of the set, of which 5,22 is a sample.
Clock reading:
5,09
